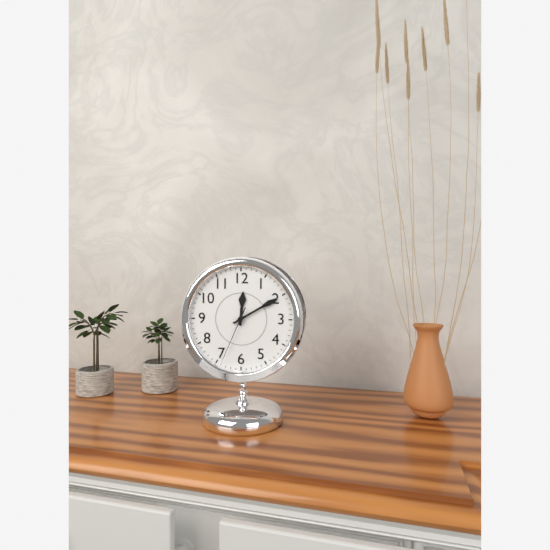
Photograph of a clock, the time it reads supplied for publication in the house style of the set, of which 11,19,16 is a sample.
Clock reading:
12,10,34
